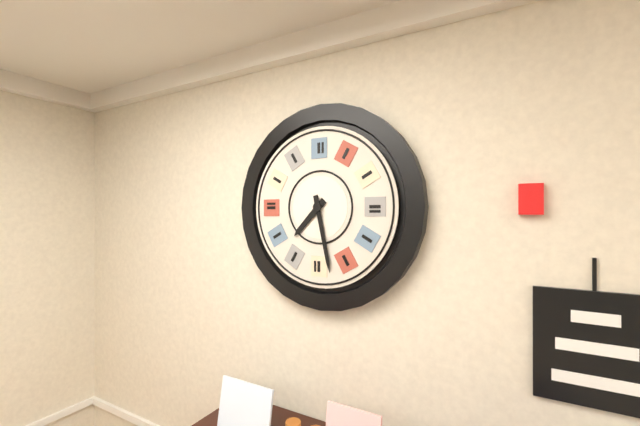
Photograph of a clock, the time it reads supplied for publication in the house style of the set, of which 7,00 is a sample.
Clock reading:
7,28
